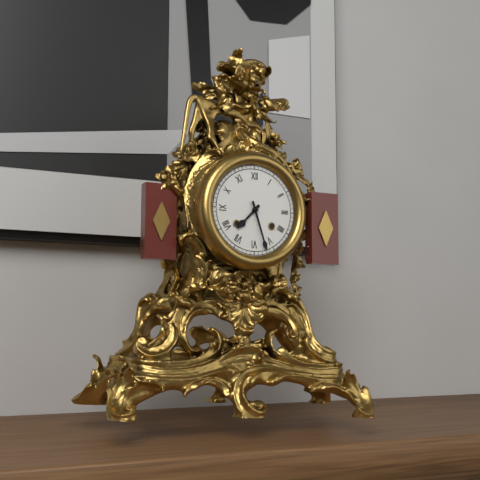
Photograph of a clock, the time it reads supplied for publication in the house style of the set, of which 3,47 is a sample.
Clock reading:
7,27
